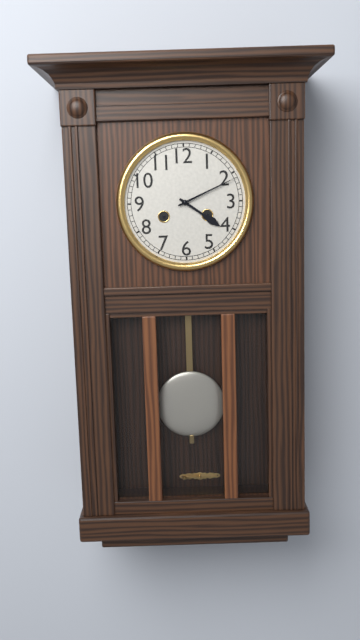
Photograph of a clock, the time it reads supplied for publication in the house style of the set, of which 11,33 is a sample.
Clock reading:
4,11
